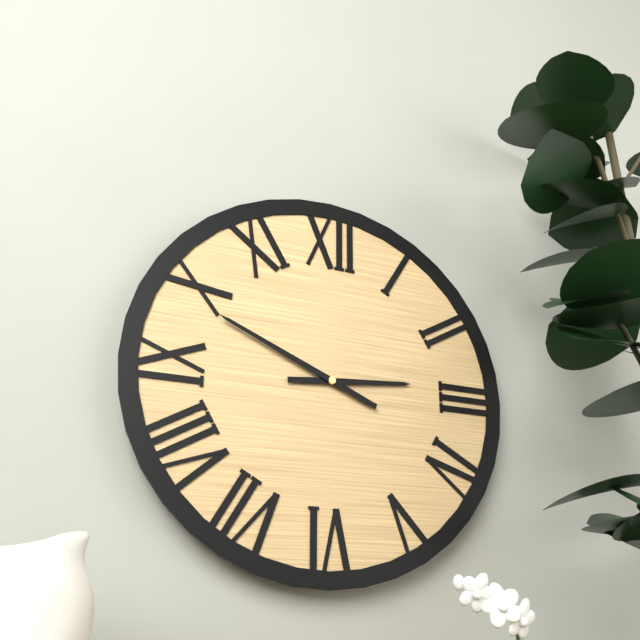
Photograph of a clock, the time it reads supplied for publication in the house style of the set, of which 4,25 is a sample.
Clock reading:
2,49
